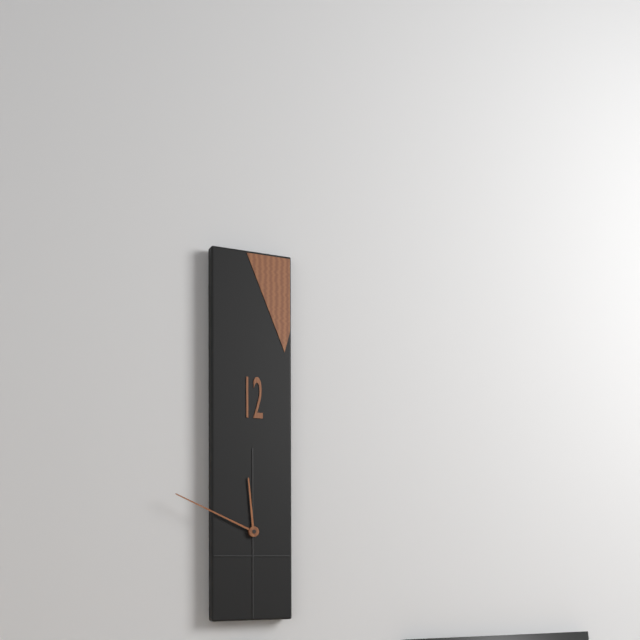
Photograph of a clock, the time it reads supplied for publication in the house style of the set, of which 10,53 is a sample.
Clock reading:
11,49
